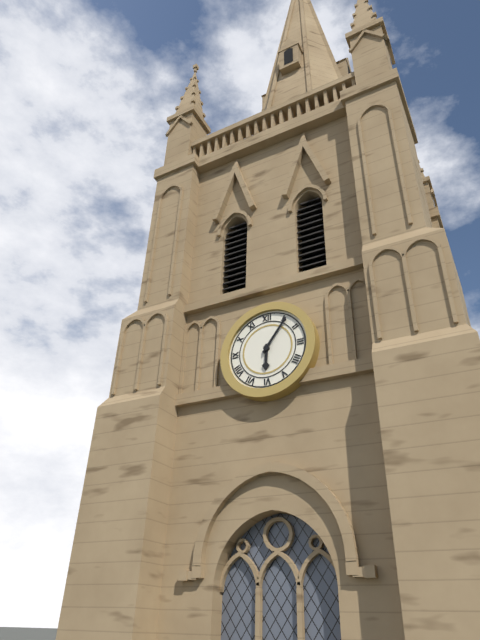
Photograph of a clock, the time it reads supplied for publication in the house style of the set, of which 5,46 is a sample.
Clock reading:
6,06
